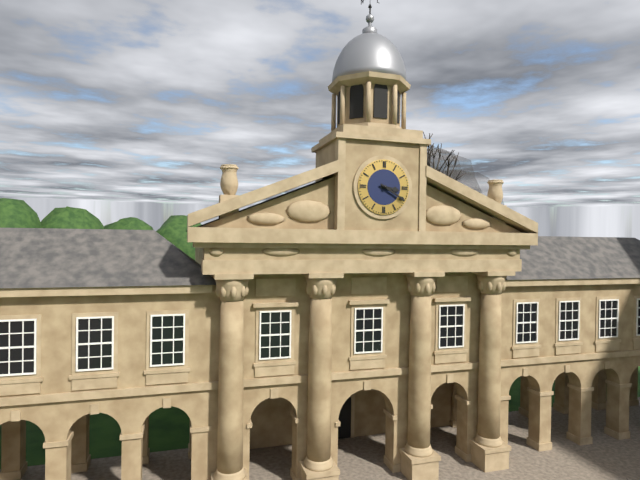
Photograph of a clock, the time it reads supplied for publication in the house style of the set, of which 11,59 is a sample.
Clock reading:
3,20
